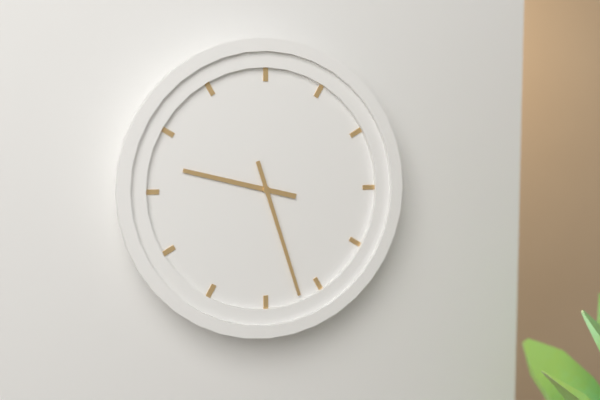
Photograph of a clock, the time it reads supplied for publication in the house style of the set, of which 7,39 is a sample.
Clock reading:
9,27
